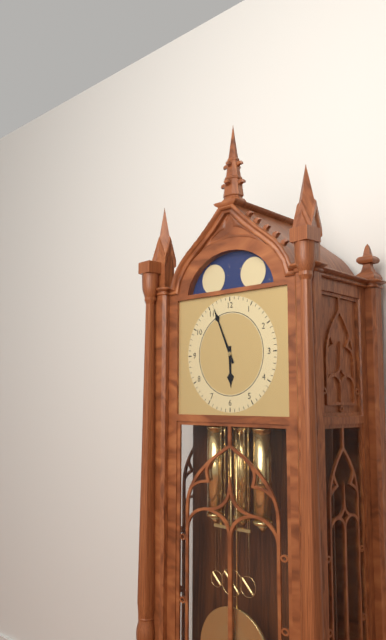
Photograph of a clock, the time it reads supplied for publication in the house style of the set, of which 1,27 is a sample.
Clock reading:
5,56
